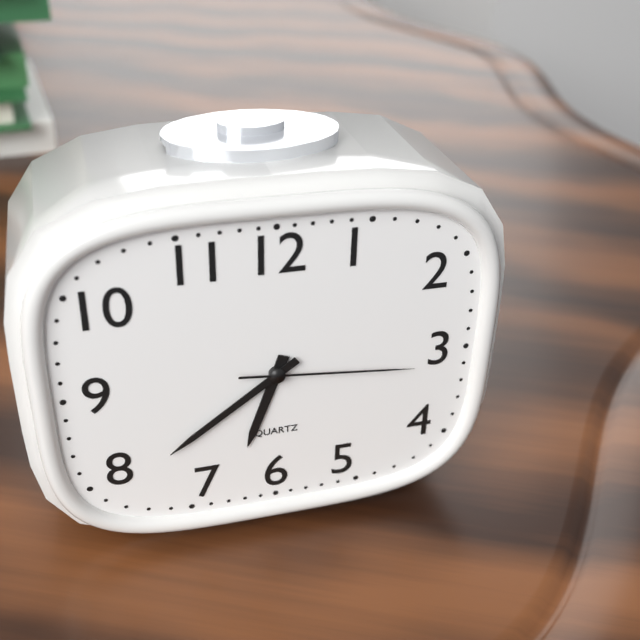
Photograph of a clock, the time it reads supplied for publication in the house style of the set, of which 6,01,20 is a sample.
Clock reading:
6,39,16
